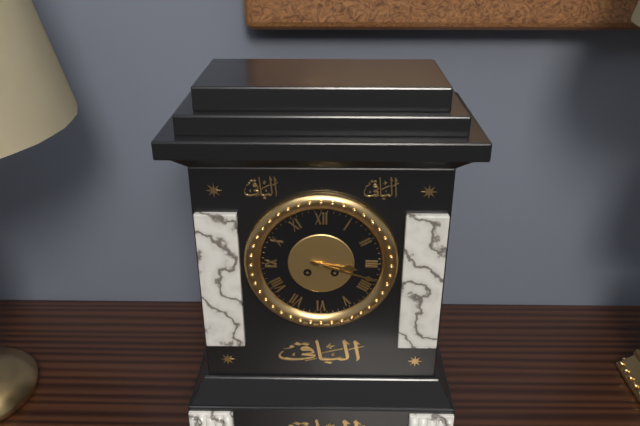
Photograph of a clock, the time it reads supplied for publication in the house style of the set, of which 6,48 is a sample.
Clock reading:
3,18
